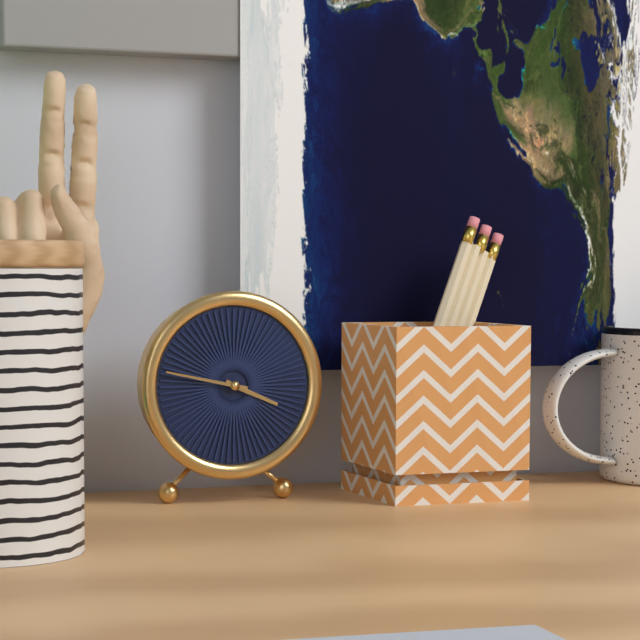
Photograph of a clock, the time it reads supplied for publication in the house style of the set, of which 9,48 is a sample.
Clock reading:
3,47
